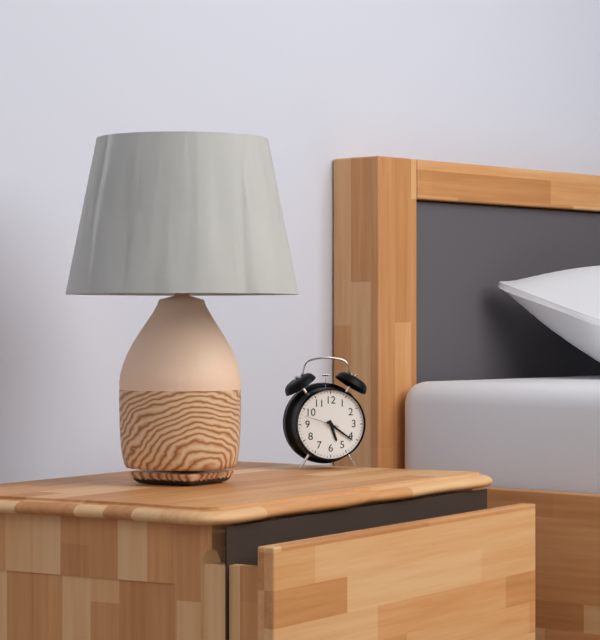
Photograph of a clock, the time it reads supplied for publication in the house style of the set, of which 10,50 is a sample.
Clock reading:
5,21
